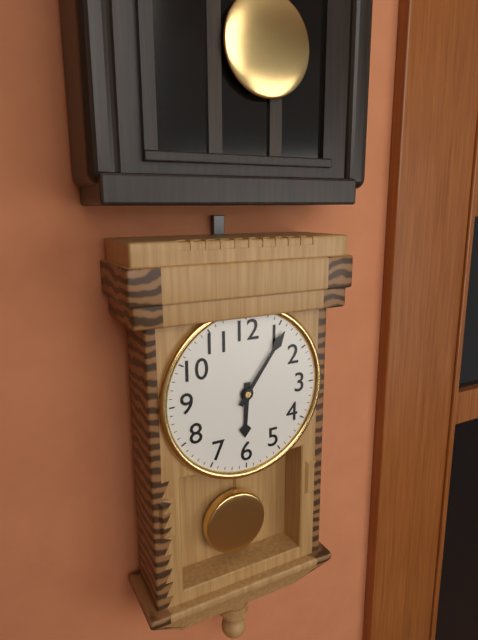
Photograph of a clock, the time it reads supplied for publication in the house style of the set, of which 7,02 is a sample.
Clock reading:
6,06
